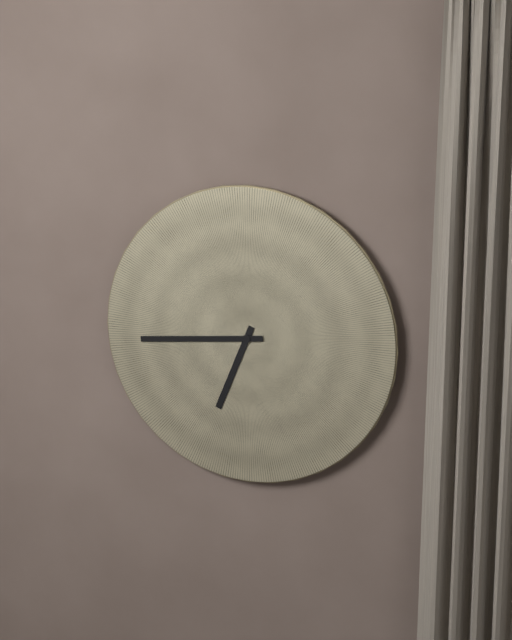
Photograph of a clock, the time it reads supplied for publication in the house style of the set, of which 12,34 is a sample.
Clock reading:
6,44
